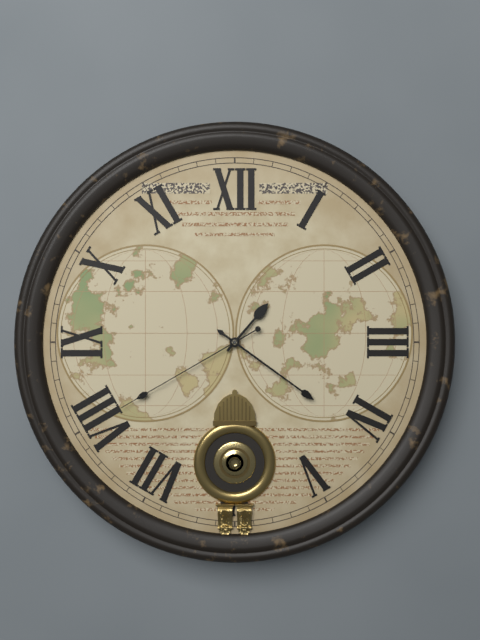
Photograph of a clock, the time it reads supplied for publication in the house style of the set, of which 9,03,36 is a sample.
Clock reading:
1,21,40
